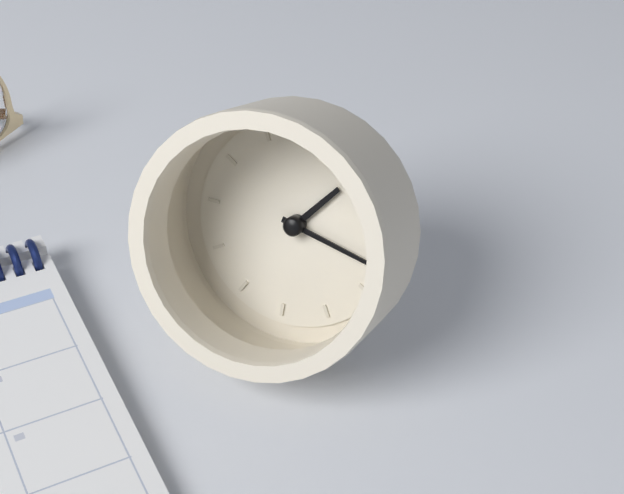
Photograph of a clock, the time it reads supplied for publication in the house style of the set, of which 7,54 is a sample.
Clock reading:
1,17
